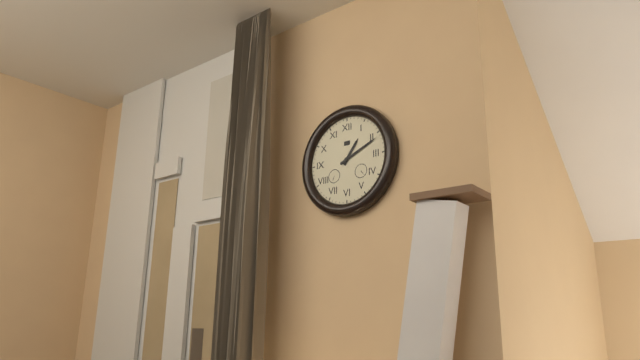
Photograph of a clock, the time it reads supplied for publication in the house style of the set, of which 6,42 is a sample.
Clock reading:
1,11
